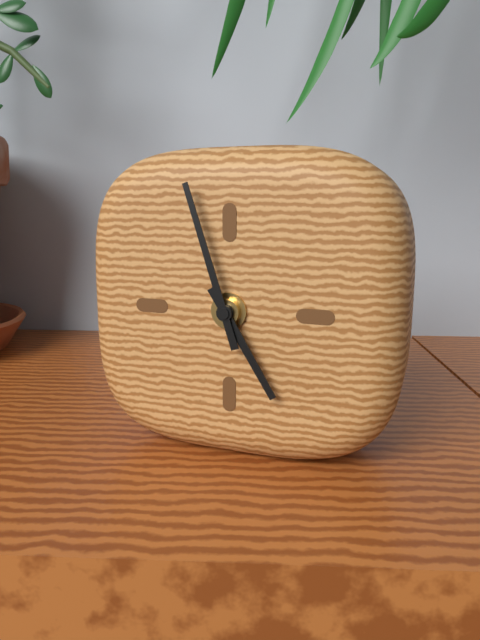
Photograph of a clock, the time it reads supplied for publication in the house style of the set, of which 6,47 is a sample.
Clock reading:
4,57
